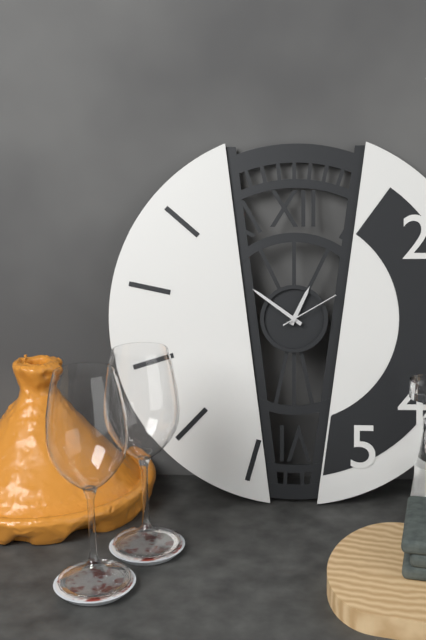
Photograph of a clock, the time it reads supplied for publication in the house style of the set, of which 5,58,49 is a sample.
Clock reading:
12,51,10
